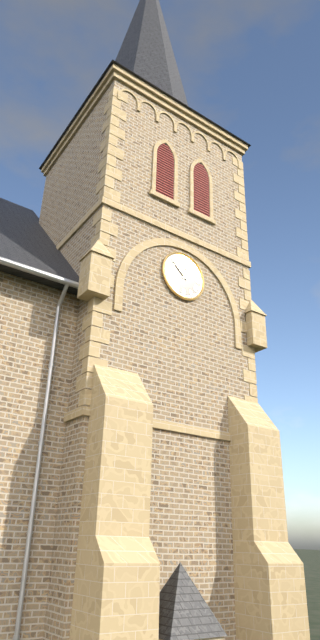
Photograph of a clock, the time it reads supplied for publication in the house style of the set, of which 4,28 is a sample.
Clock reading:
12,52
